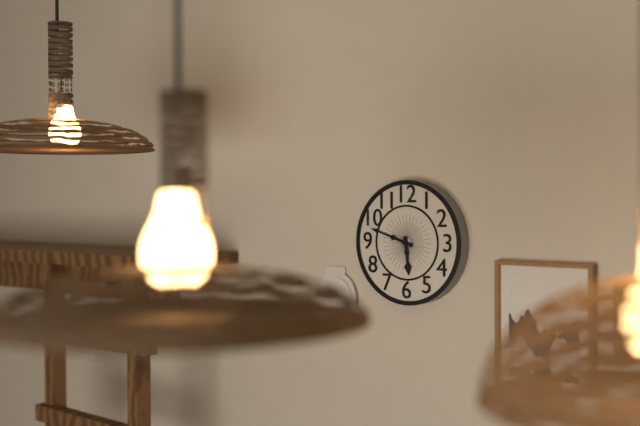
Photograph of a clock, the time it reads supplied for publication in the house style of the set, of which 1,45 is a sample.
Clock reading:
5,48
